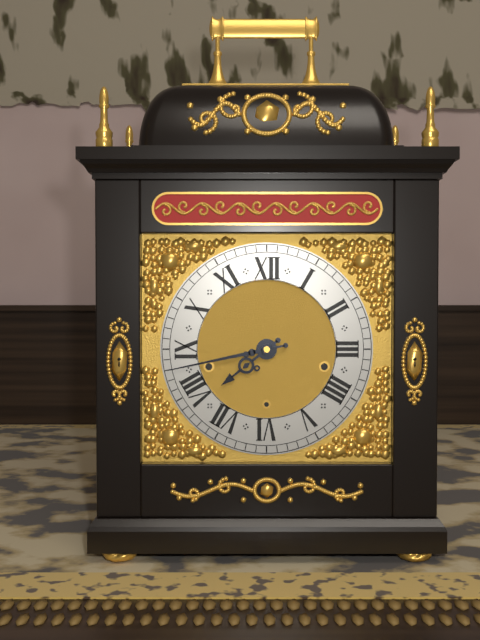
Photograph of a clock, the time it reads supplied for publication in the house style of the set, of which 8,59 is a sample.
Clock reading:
7,43
